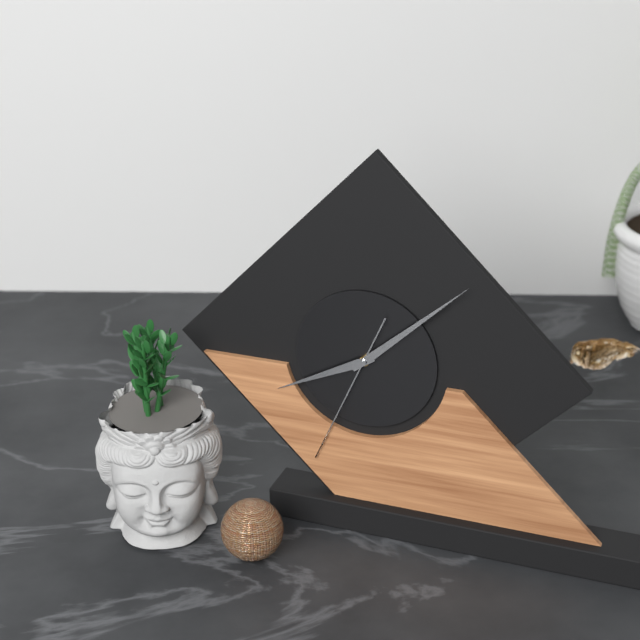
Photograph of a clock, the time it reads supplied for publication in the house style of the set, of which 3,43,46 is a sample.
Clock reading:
8,08,34
